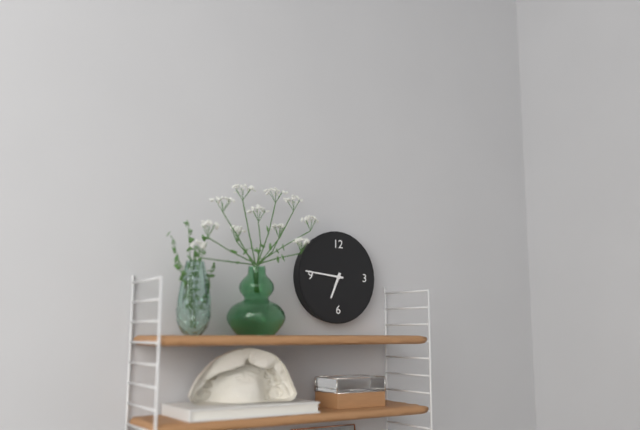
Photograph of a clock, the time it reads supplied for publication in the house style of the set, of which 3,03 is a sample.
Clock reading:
6,46
